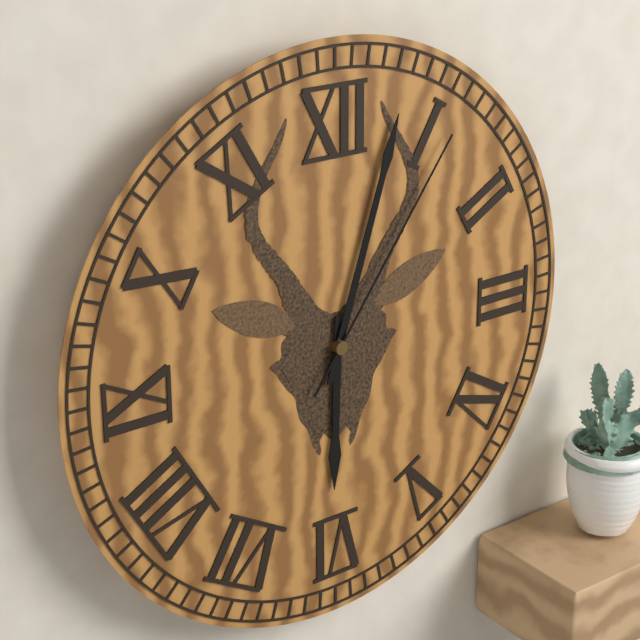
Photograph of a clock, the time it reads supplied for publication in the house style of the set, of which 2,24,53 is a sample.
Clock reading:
6,03,06
